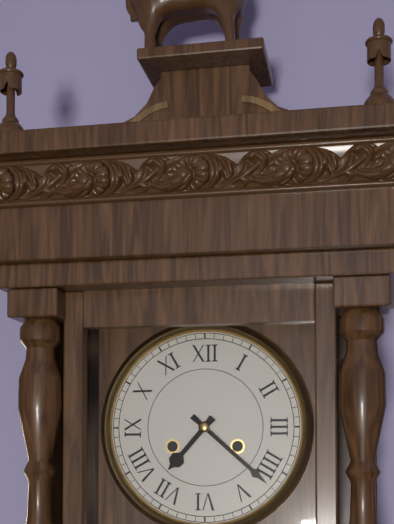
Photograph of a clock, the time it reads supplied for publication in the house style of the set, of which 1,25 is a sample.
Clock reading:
7,22
